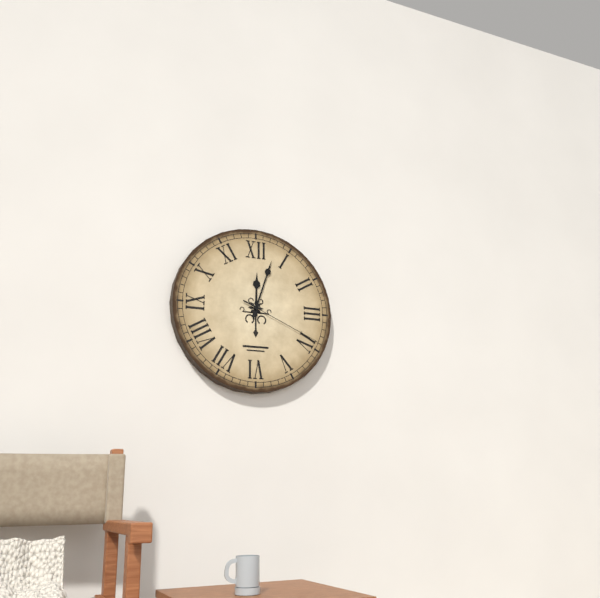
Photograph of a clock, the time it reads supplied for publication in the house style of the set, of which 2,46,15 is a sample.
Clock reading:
12,03,19
